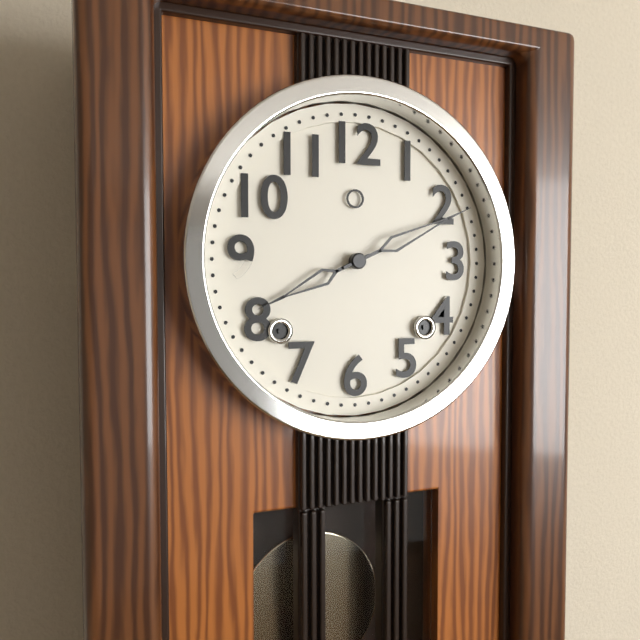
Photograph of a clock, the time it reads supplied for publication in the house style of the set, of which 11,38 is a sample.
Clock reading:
8,11
